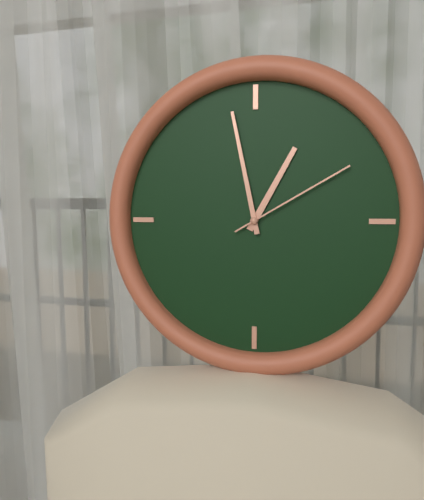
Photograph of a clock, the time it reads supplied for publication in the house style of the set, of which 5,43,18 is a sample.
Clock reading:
12,58,10
